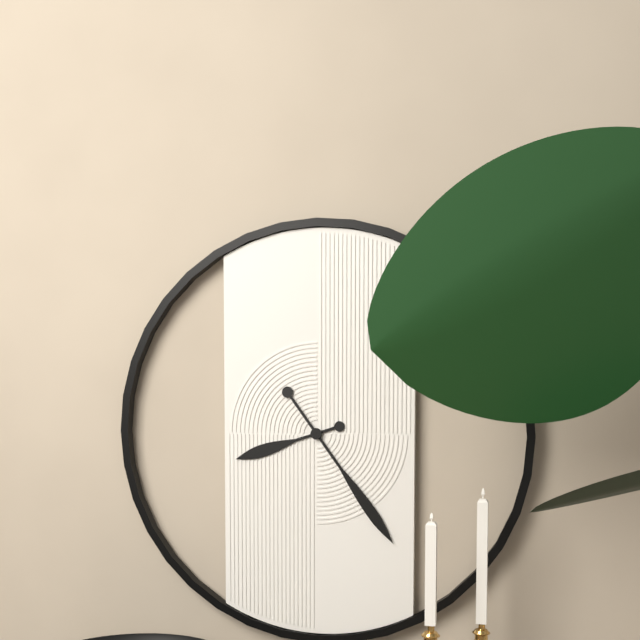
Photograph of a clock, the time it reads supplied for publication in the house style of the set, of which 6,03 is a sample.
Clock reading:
8,24
